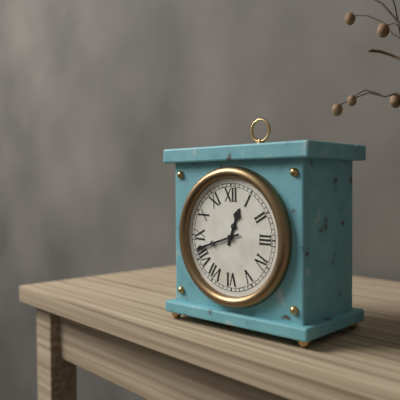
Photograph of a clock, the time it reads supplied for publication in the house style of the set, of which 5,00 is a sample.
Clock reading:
12,42
